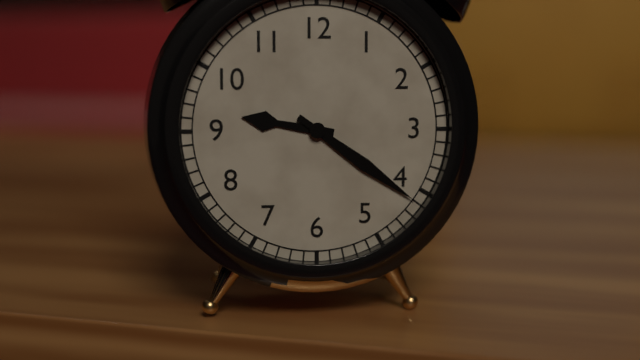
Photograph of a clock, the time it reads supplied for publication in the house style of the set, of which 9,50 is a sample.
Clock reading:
9,21
